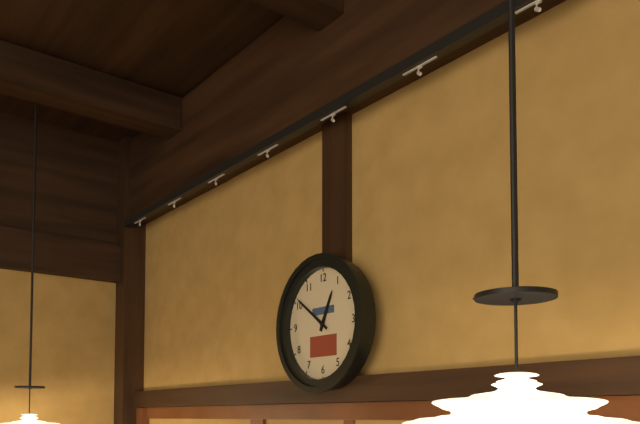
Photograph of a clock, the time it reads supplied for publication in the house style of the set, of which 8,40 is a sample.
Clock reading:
12,51
